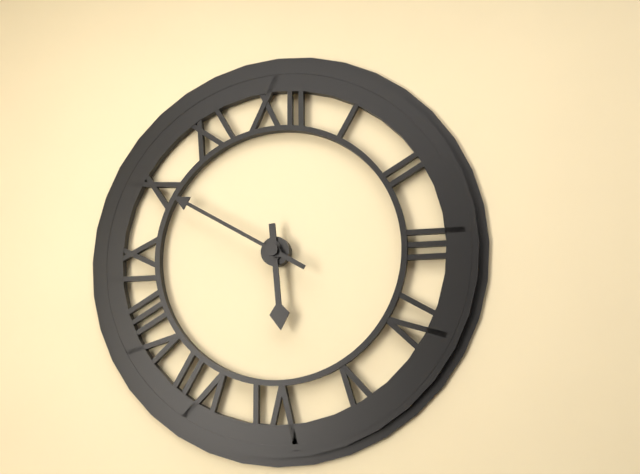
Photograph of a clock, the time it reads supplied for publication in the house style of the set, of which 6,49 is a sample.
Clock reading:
5,50
